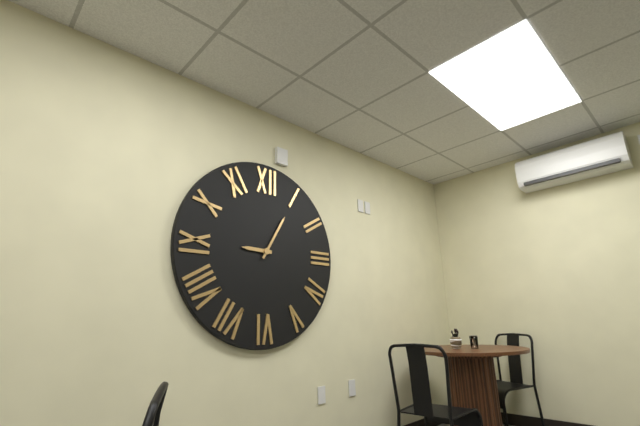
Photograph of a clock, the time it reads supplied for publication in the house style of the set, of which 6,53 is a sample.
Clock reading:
9,05
